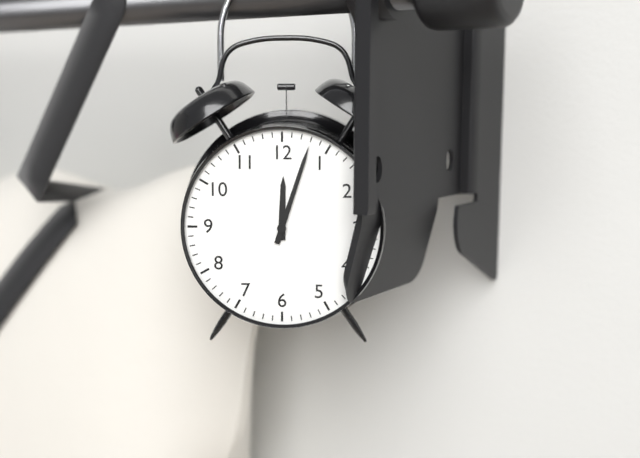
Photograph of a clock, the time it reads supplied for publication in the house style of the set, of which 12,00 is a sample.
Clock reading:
12,03
